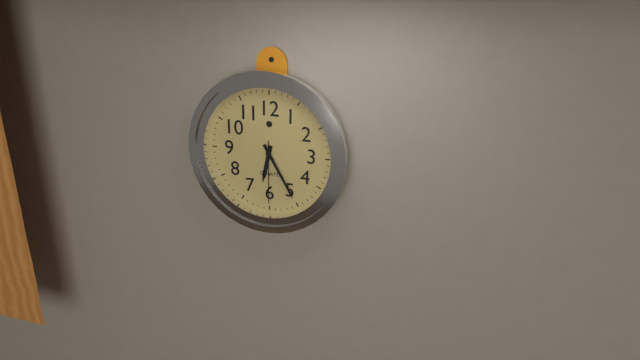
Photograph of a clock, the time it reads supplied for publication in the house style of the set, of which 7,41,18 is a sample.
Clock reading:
6,25,30
